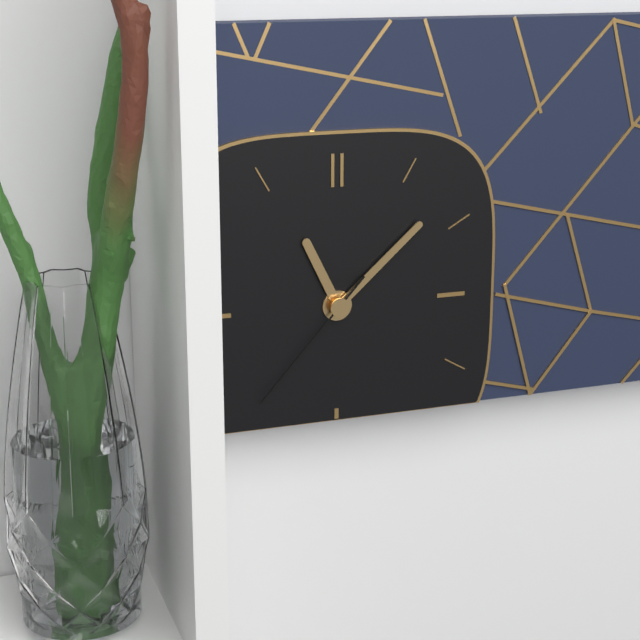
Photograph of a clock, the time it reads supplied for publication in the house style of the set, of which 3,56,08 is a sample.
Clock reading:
11,08,37
